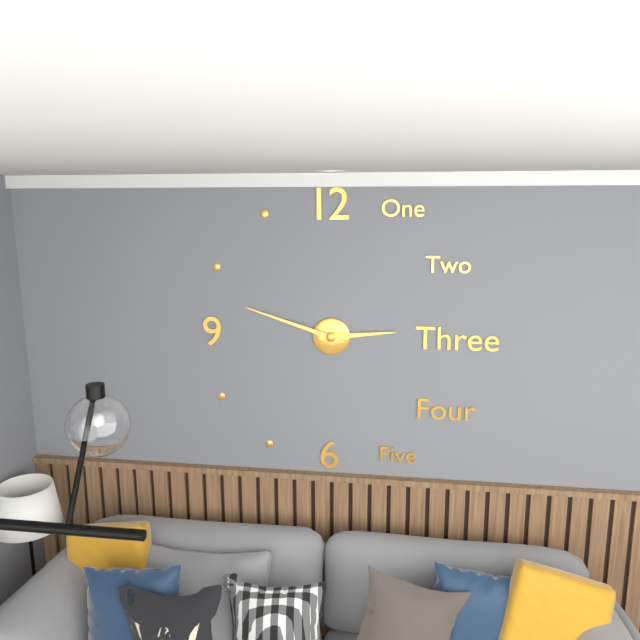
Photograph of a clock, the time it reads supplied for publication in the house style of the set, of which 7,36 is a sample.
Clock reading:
2,48
